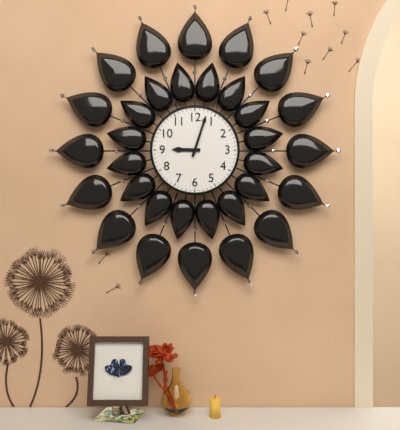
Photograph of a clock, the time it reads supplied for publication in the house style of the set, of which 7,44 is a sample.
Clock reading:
9,03
